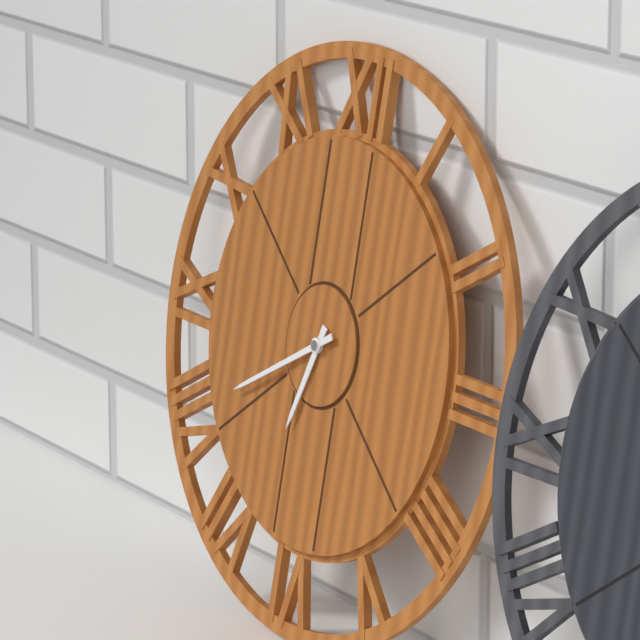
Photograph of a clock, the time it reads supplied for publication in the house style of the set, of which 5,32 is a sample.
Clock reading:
6,40
